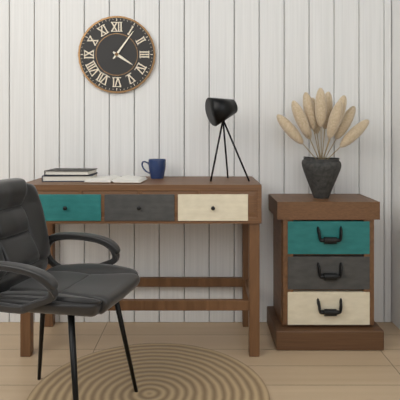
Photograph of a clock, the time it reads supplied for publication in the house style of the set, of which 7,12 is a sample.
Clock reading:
4,06
